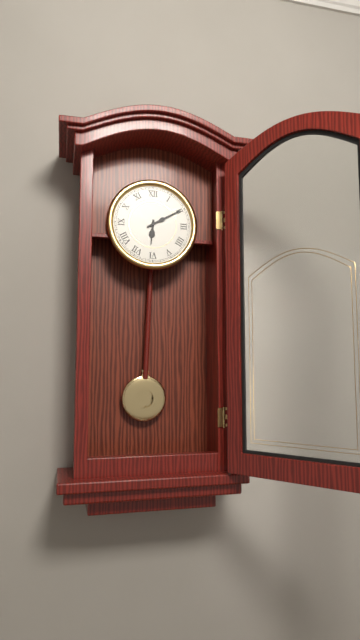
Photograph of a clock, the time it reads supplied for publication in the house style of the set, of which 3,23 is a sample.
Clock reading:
6,10
